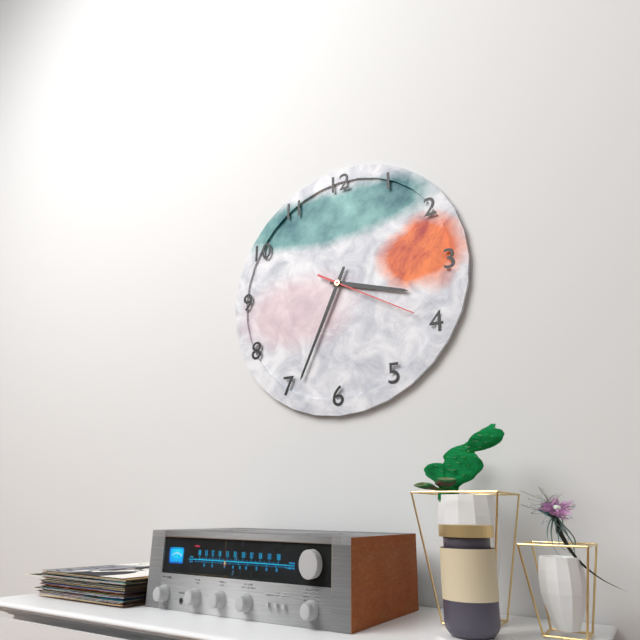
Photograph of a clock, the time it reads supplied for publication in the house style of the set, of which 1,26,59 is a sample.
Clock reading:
3,34,20
